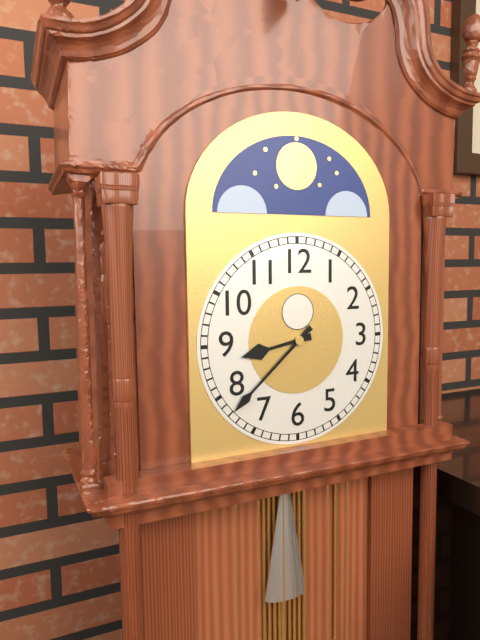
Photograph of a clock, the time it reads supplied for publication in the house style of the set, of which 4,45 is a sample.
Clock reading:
8,38
